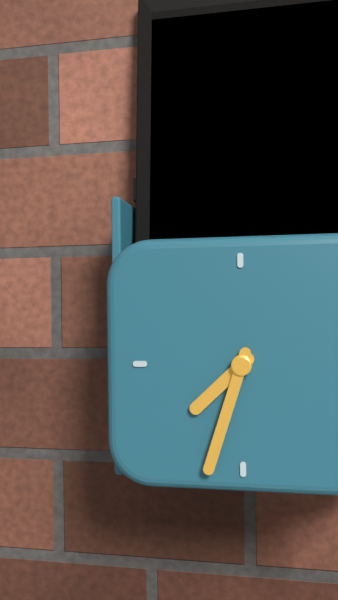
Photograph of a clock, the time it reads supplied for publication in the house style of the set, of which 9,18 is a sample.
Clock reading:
7,33
